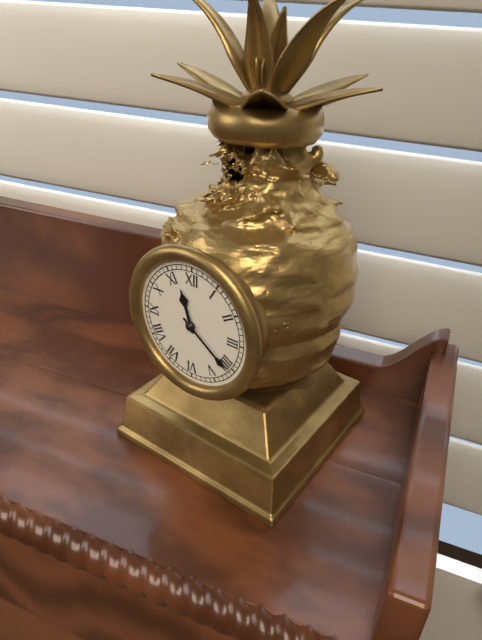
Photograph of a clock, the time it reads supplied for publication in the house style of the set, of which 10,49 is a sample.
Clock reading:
11,21
